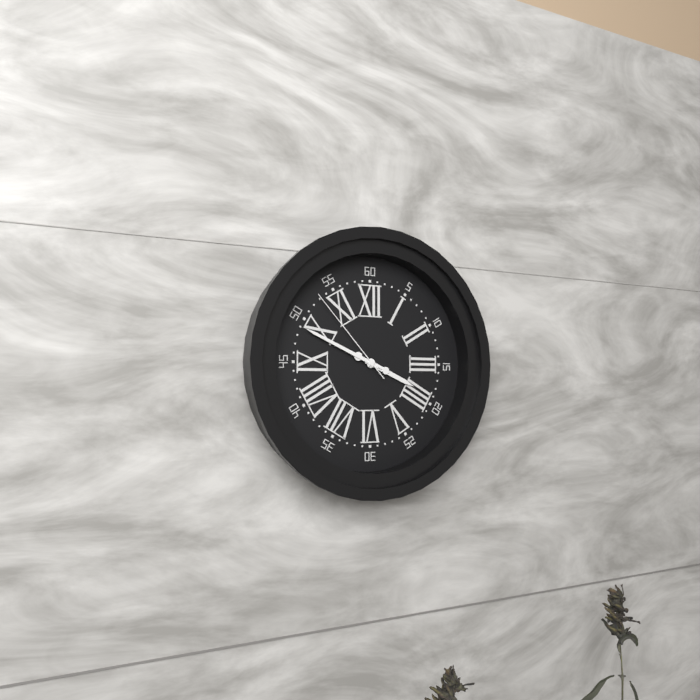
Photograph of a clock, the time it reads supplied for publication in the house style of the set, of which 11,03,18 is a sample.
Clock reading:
3,49,53
